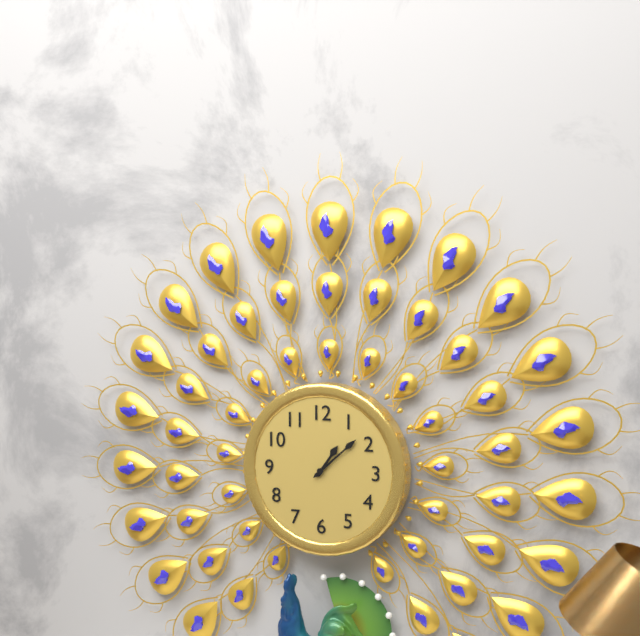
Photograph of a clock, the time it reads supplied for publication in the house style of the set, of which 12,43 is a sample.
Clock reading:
1,08
